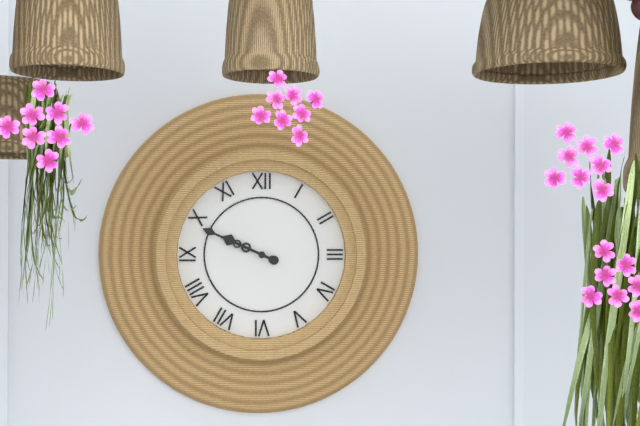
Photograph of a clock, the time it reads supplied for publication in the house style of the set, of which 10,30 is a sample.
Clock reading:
9,49
